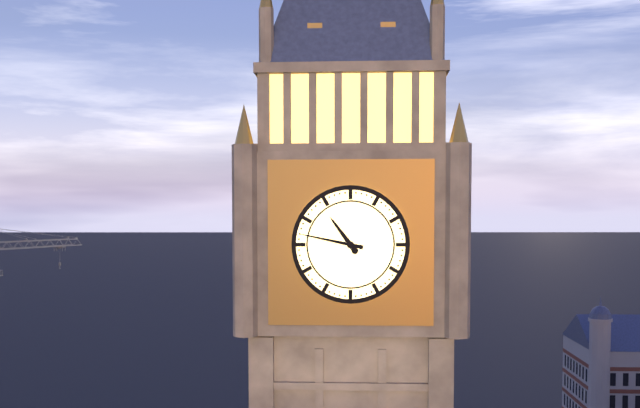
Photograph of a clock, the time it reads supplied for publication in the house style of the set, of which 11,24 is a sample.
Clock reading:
10,47
